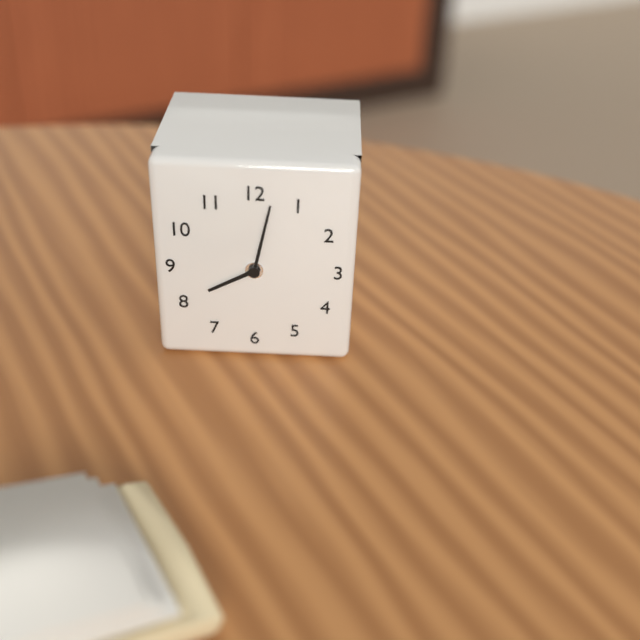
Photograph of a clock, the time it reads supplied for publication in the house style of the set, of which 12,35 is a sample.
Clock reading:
8,02
